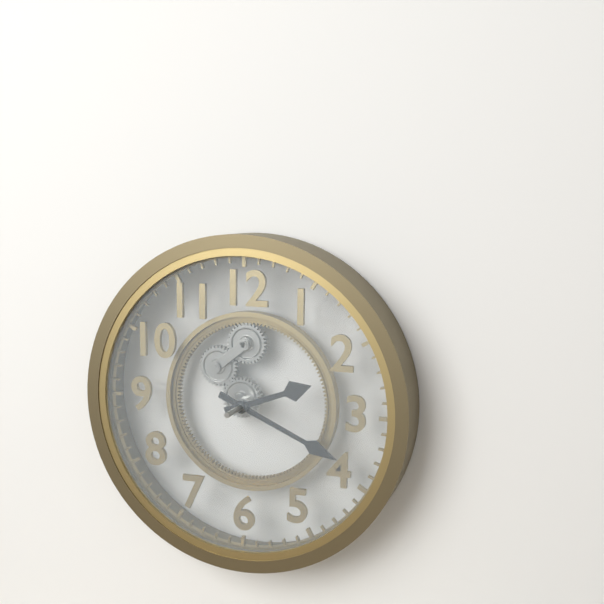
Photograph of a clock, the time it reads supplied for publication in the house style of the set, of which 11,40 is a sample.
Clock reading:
2,19
